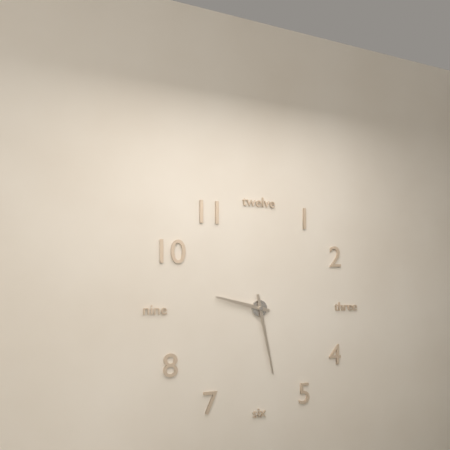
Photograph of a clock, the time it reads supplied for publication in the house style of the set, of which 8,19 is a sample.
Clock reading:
9,28
